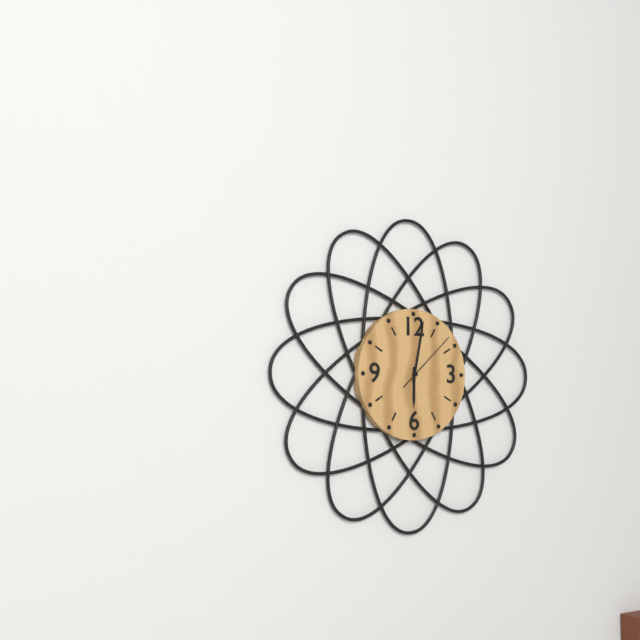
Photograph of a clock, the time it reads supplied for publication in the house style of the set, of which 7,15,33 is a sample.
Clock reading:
6,02,08
